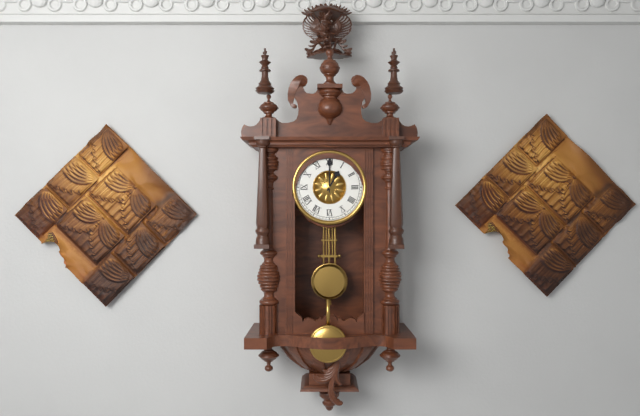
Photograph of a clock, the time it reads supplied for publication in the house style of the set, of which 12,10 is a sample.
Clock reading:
1,00
